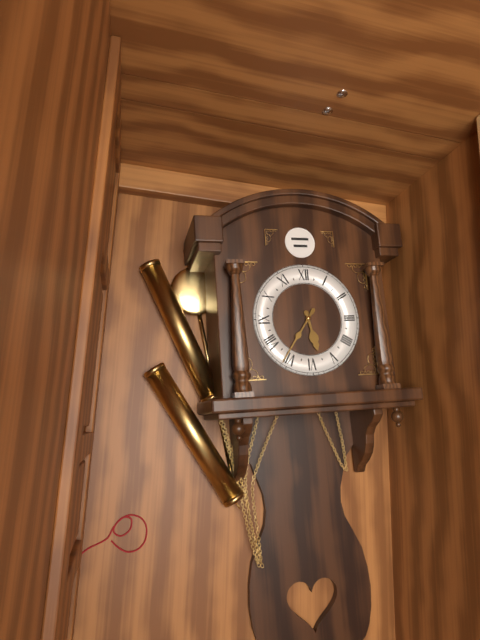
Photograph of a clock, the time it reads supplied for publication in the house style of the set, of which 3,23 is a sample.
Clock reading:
5,36
